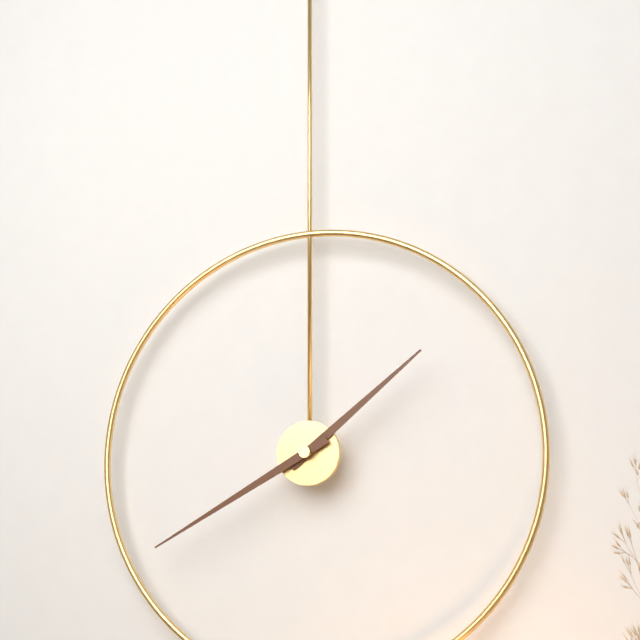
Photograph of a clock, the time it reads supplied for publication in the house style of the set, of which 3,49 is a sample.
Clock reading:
1,40
